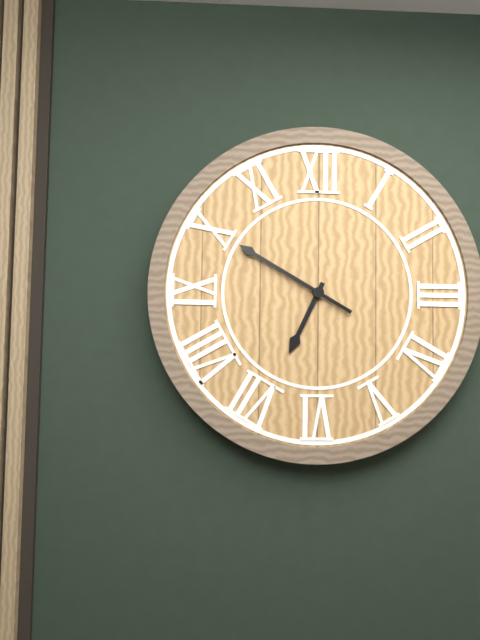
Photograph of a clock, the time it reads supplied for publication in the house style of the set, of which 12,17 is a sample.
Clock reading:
6,50
